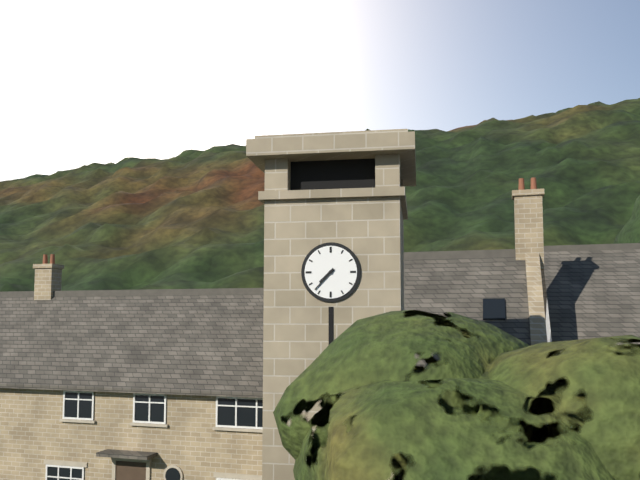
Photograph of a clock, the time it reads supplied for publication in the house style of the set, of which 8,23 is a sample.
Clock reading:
7,37
